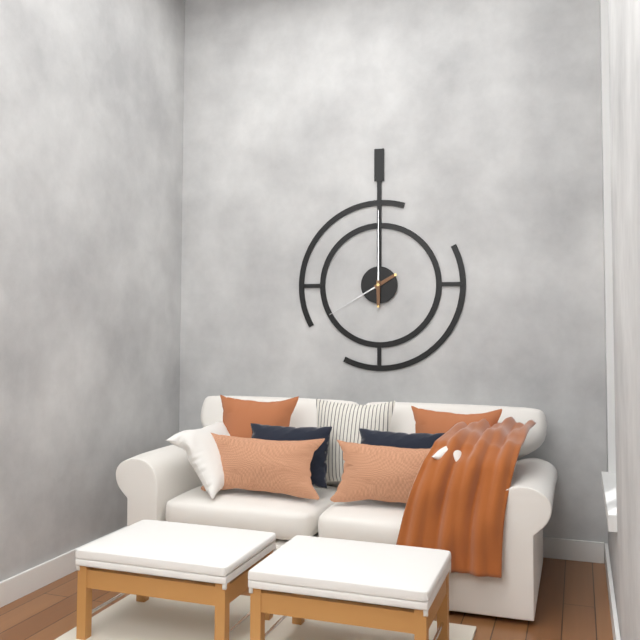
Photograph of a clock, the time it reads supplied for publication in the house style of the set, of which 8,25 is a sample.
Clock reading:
8,00
